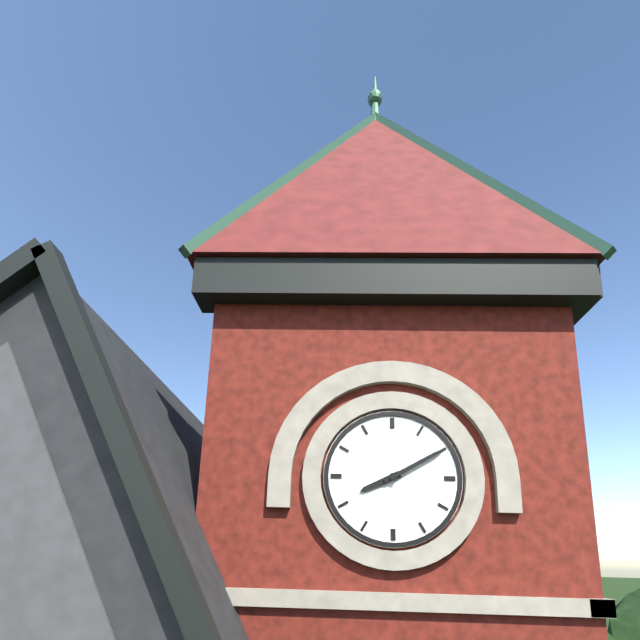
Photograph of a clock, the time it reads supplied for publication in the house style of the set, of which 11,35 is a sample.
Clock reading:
8,10
